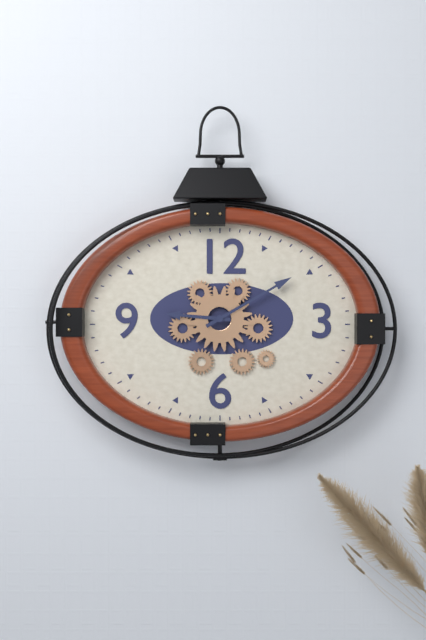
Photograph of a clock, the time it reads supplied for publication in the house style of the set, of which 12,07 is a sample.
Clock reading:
9,10
